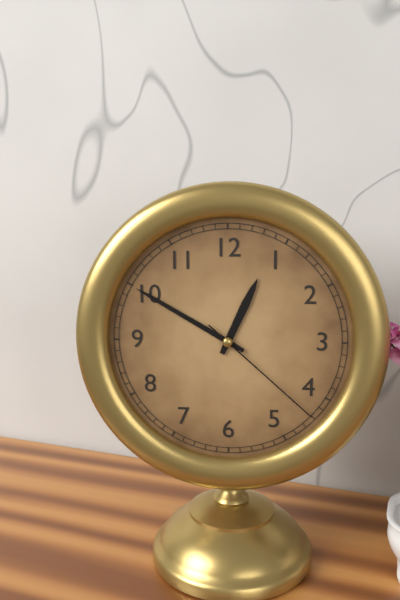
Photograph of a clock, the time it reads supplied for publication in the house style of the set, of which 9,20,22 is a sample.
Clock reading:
12,50,22
